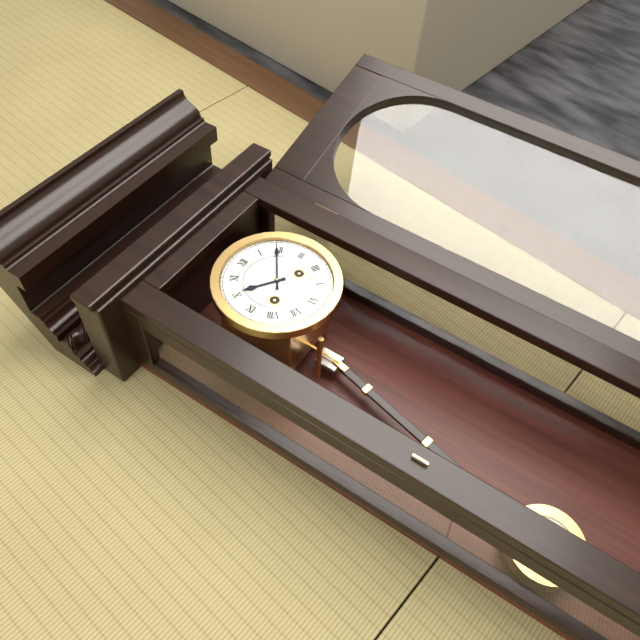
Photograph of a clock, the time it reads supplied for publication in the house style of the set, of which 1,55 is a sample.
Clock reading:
10,09
